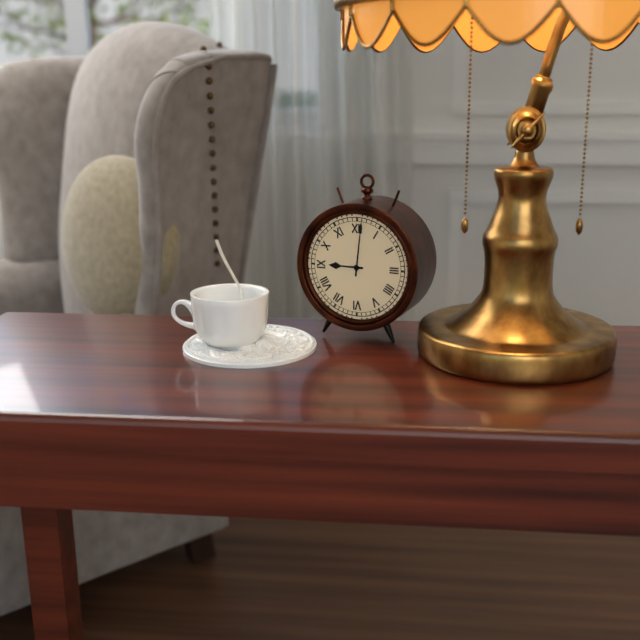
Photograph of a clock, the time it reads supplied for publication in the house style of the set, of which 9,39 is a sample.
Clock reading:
9,01
